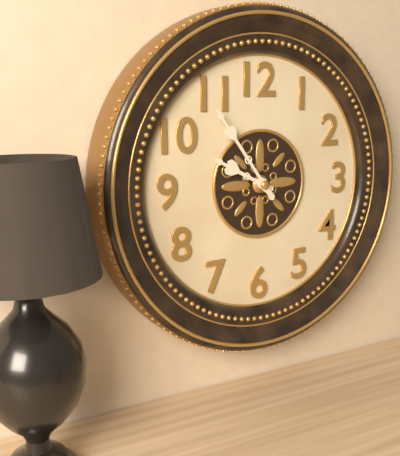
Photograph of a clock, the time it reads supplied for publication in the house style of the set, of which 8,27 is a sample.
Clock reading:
9,54
